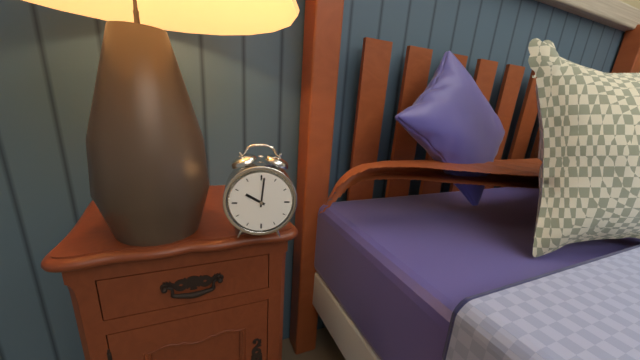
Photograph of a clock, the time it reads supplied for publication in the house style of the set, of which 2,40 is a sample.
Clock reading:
10,01
